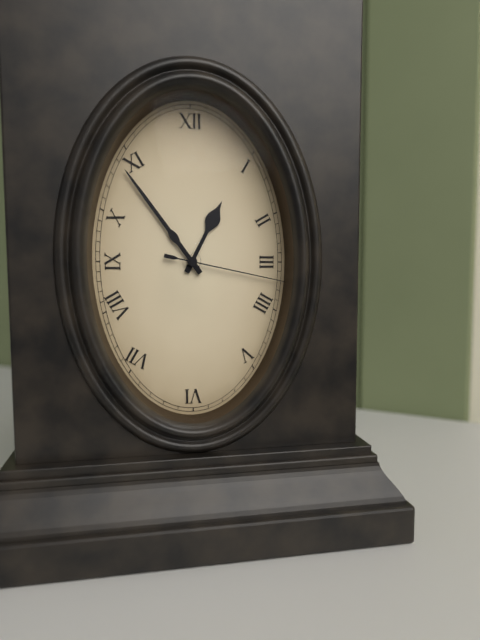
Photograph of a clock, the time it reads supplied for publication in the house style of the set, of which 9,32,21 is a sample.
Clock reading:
12,54,17
